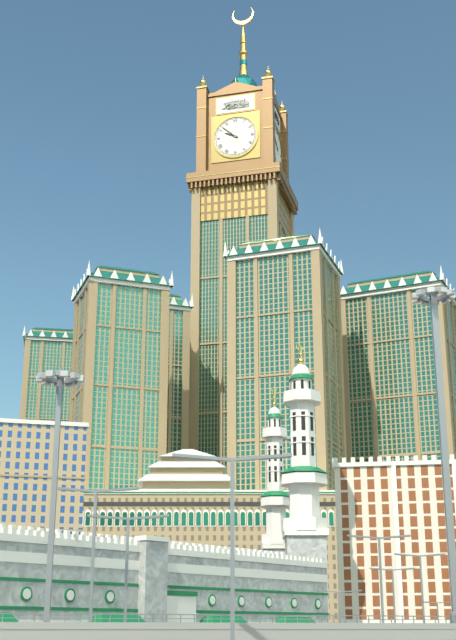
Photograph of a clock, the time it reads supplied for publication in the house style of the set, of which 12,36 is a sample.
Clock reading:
9,52
